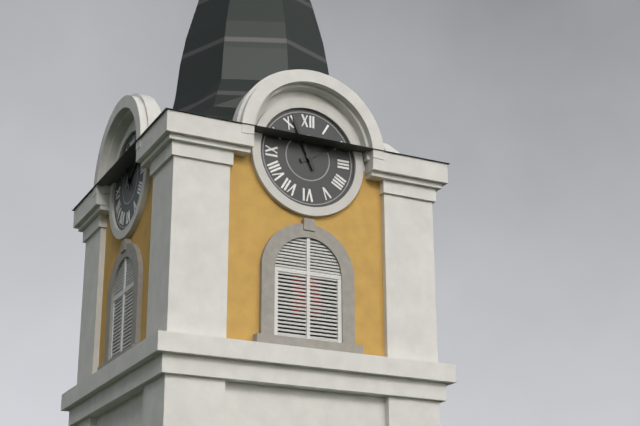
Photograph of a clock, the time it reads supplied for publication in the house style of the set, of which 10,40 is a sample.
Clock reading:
1,56
